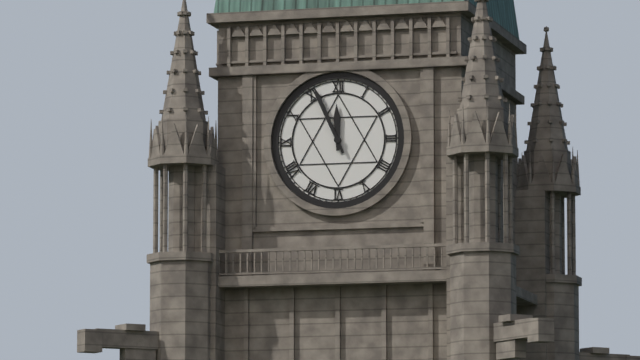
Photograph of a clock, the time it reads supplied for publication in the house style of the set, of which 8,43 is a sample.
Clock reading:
11,56
